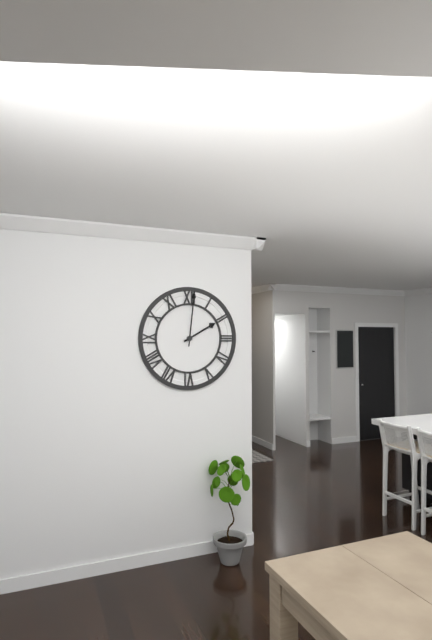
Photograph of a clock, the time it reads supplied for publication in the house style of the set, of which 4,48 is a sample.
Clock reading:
2,01
